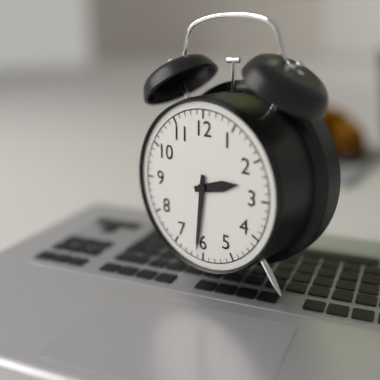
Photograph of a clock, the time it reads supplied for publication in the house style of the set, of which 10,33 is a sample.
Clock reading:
2,31
